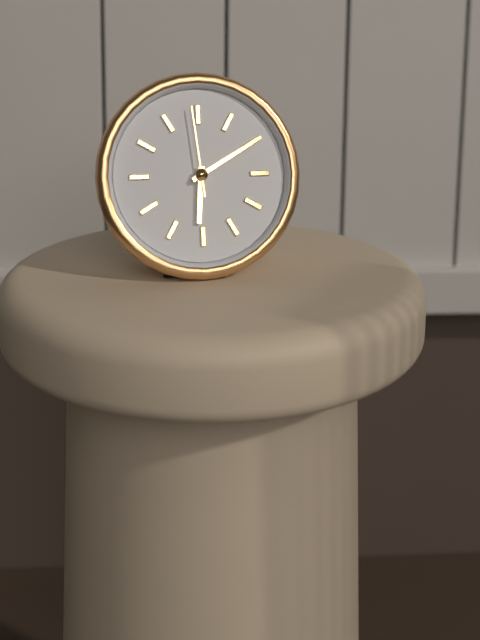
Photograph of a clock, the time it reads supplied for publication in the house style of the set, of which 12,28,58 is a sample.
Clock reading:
6,10,59
